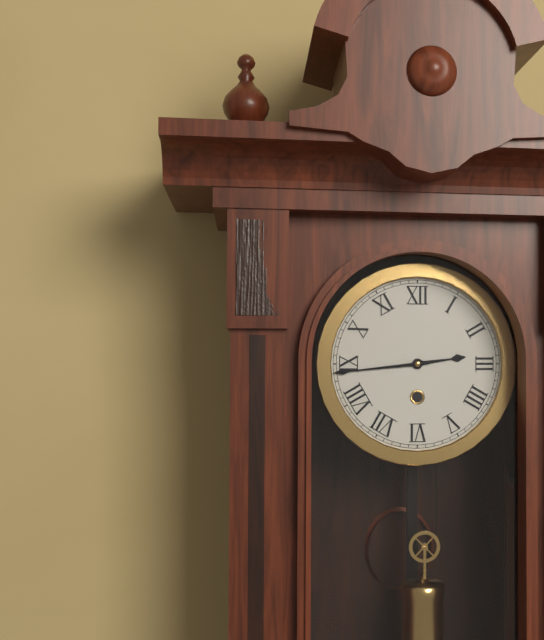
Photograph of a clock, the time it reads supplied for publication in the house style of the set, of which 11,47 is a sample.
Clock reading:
2,44
